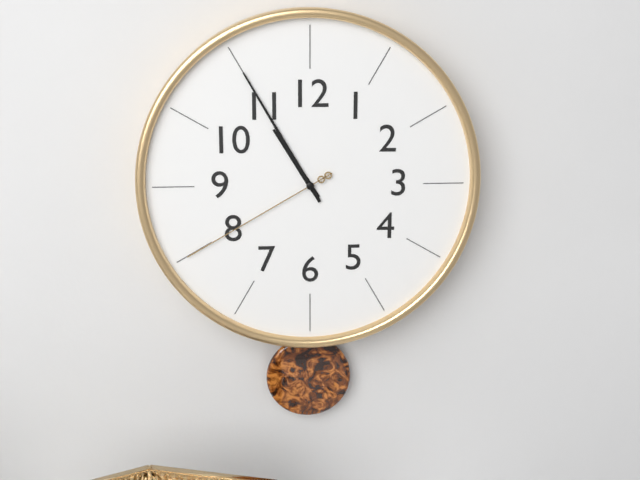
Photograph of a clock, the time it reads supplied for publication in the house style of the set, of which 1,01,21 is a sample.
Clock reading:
10,55,40
